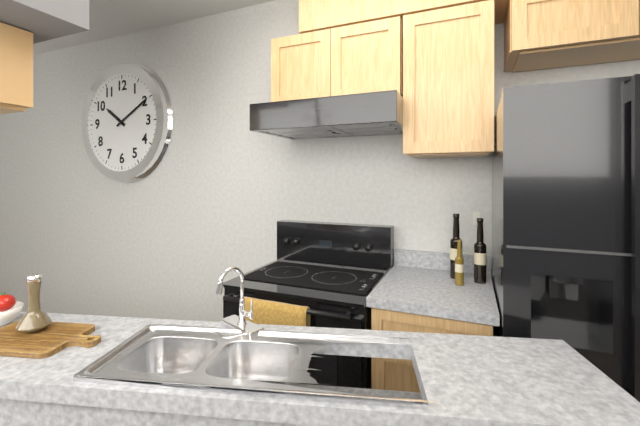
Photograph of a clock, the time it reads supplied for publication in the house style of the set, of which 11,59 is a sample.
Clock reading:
10,10
